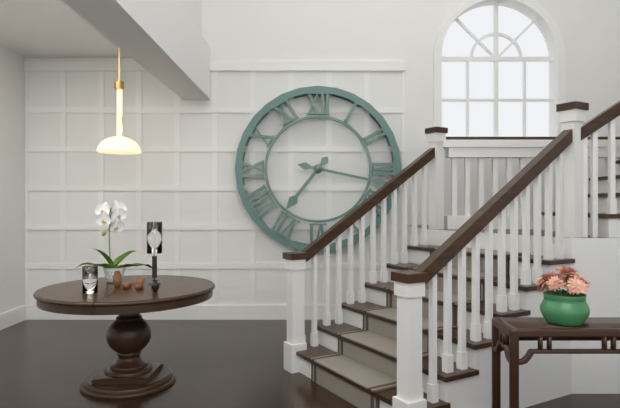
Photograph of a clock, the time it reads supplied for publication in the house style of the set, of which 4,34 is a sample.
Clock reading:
7,17
